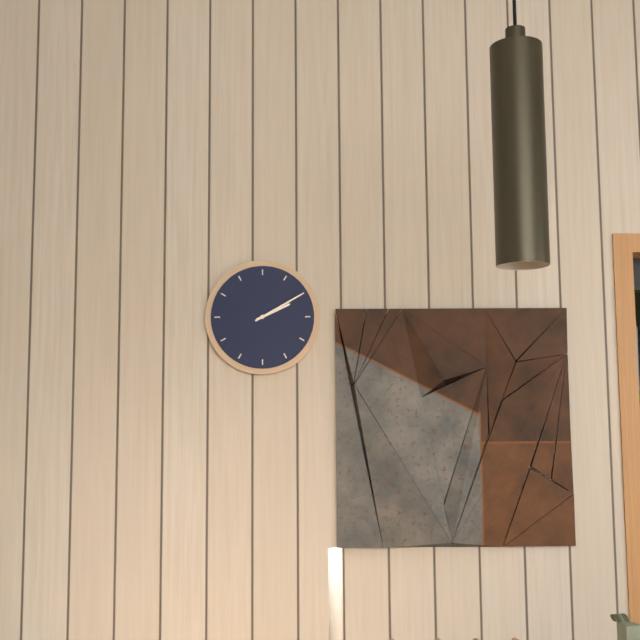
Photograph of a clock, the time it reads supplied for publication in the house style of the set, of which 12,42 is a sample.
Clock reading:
2,10
